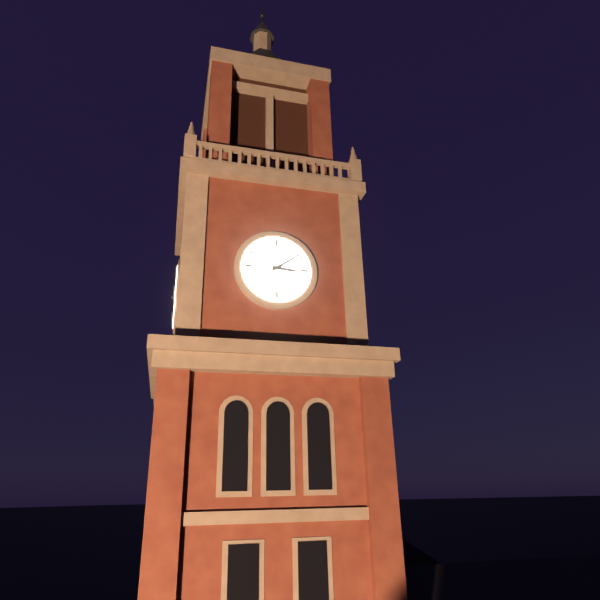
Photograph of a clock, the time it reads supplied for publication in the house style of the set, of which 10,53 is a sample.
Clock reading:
3,09
